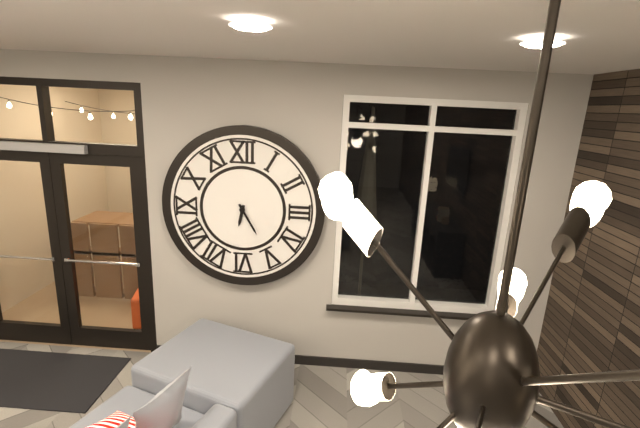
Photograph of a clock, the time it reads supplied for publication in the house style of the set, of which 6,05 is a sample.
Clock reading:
6,25
